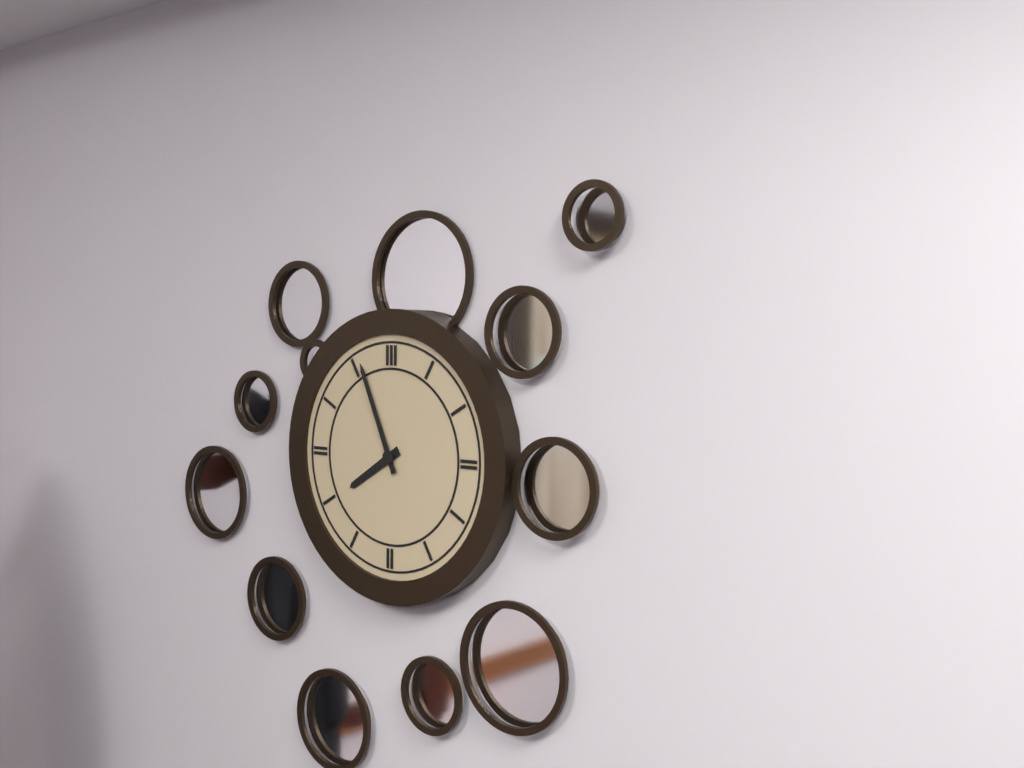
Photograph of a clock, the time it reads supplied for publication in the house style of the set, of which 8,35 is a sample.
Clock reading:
7,56
